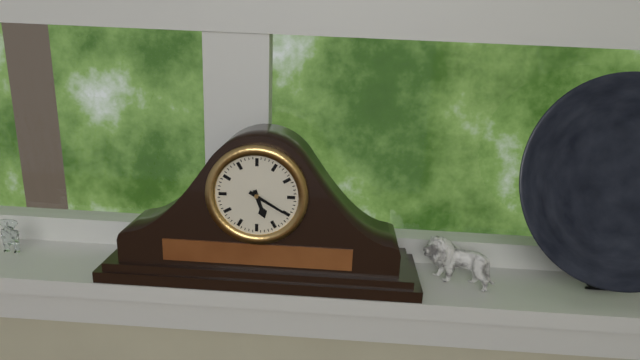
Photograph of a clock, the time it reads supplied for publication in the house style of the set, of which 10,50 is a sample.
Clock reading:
5,20
